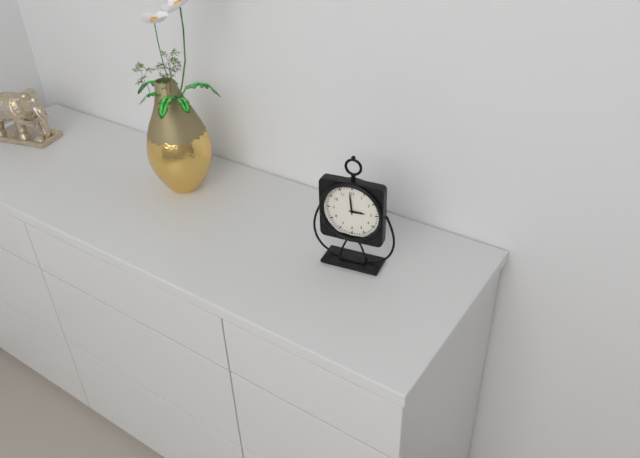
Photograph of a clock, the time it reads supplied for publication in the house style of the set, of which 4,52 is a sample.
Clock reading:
2,59
